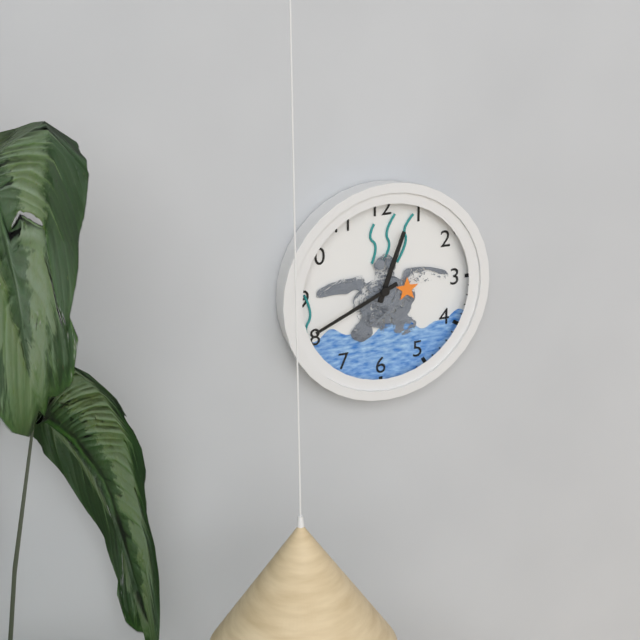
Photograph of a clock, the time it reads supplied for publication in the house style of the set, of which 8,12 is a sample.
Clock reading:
12,41
